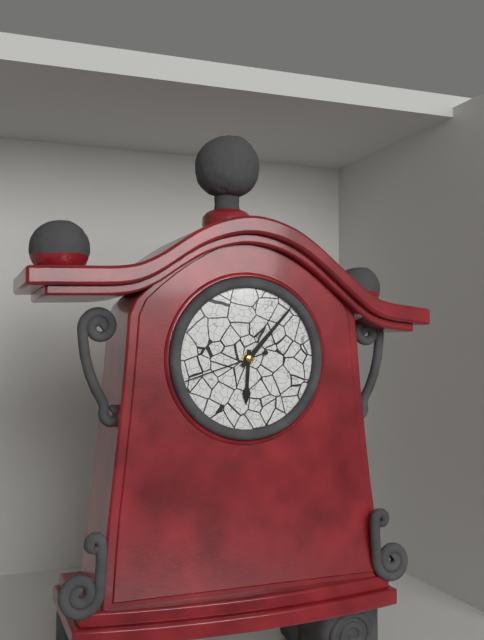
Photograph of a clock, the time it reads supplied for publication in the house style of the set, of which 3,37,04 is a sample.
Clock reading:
6,07,42
